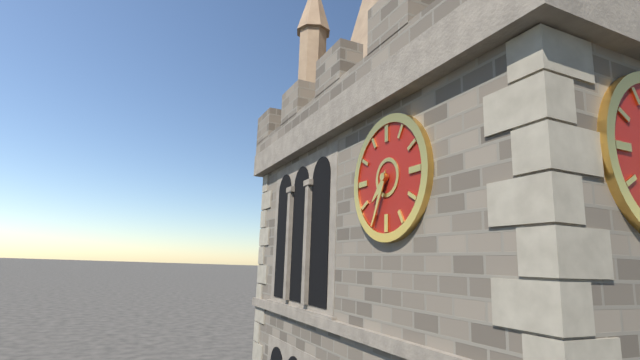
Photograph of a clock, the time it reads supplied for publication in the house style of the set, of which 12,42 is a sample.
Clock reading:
7,34
